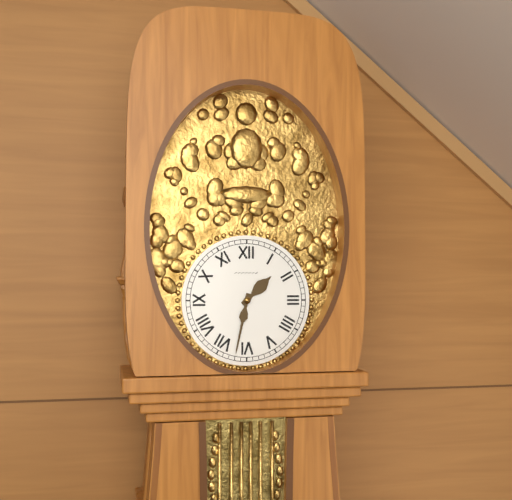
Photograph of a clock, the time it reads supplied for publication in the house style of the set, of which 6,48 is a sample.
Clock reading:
1,32
